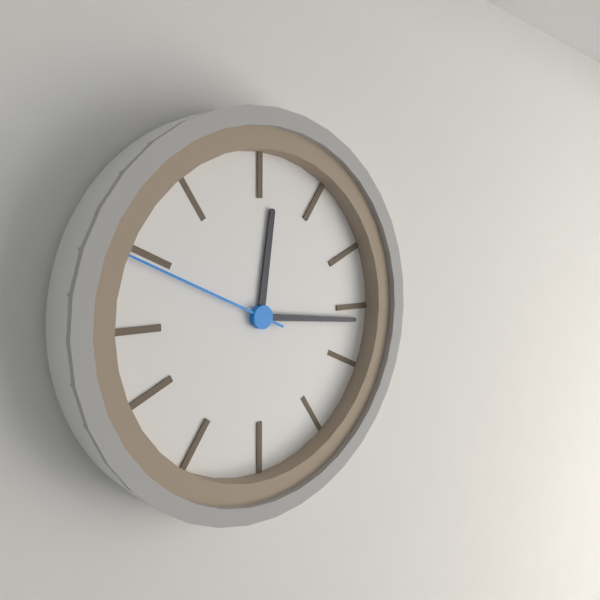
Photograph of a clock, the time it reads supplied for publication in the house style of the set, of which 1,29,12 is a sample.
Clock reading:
12,16,49
